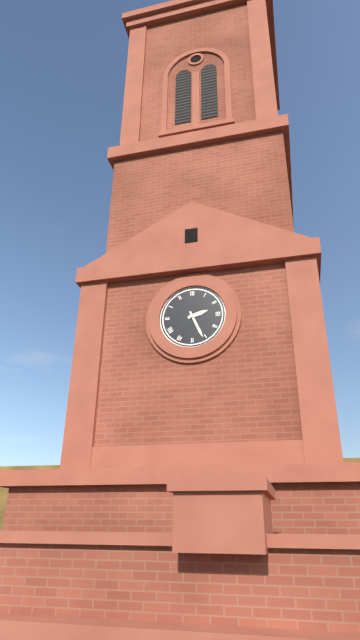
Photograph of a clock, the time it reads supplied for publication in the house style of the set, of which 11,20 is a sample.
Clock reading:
2,26
